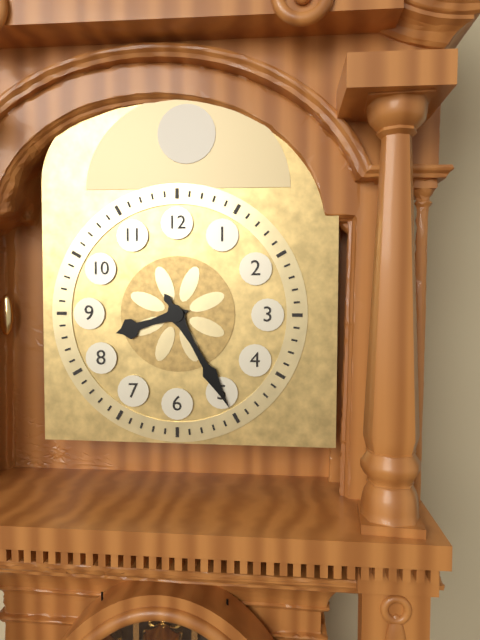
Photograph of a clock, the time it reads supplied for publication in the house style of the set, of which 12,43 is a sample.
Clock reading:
8,25
